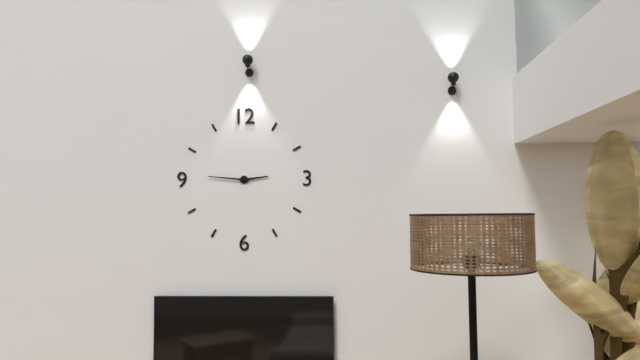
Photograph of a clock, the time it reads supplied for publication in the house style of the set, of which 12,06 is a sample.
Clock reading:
2,46
